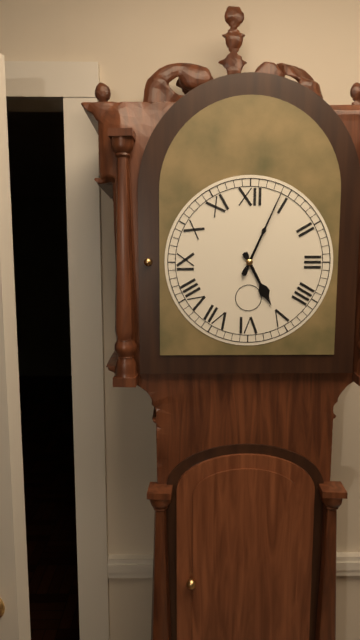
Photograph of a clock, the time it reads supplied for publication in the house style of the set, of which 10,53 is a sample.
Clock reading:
5,04
